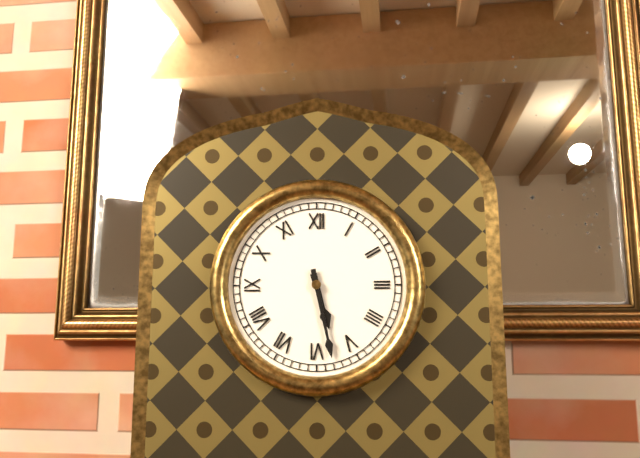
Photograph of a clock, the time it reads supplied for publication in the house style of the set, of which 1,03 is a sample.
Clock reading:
5,28
